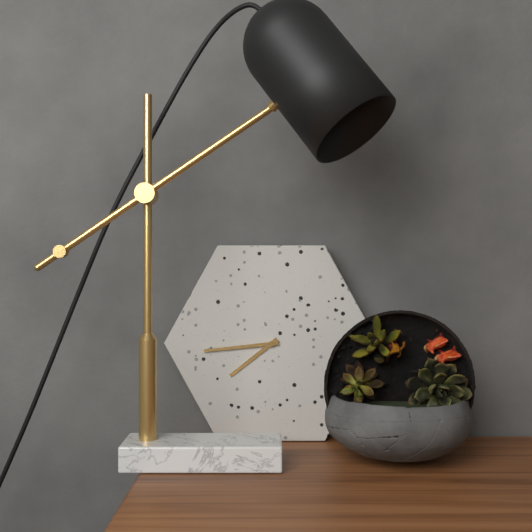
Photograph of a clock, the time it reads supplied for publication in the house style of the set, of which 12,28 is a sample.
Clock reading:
7,44
